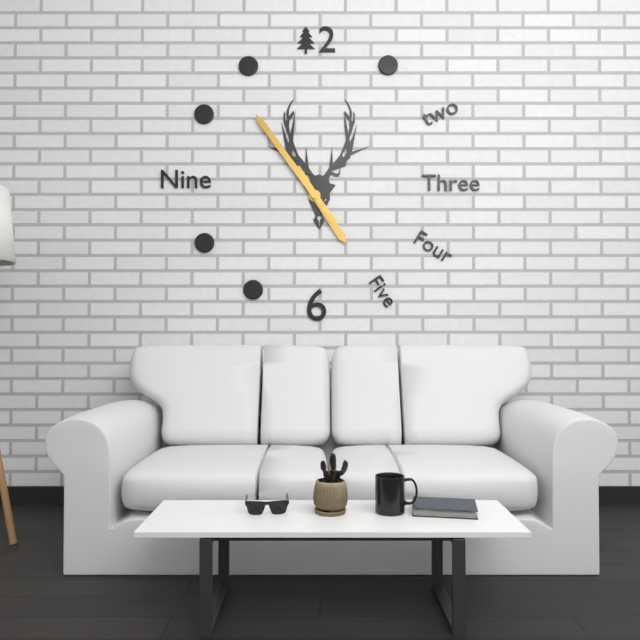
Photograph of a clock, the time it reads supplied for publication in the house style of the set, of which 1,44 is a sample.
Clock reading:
4,54
